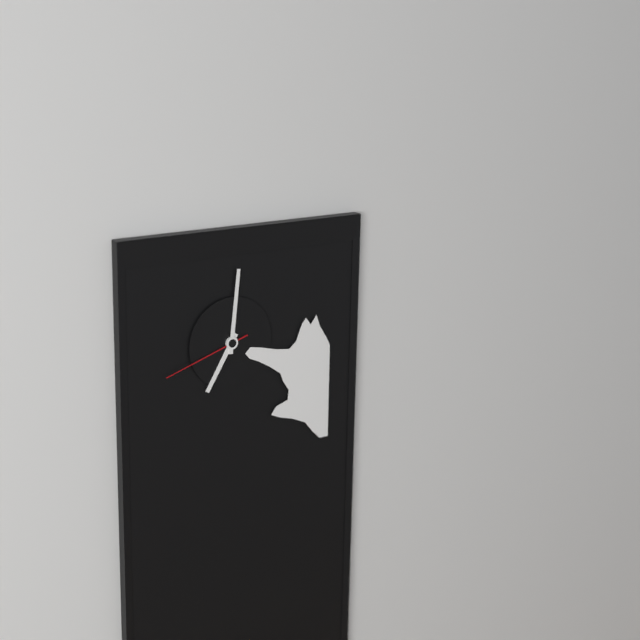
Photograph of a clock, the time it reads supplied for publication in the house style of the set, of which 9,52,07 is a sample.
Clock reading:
7,01,42
